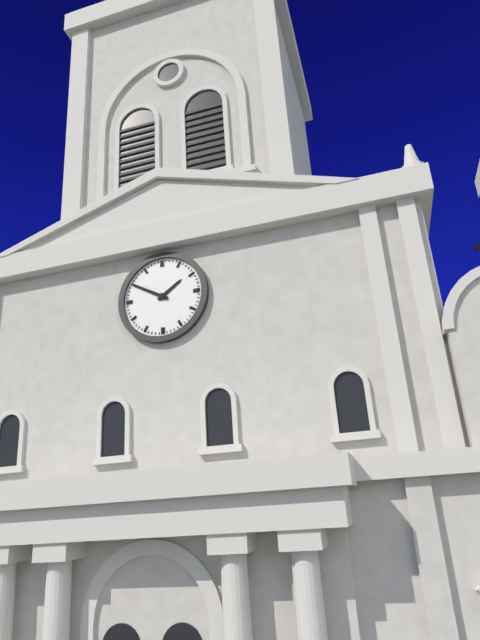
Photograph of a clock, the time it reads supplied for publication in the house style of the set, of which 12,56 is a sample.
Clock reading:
1,50
